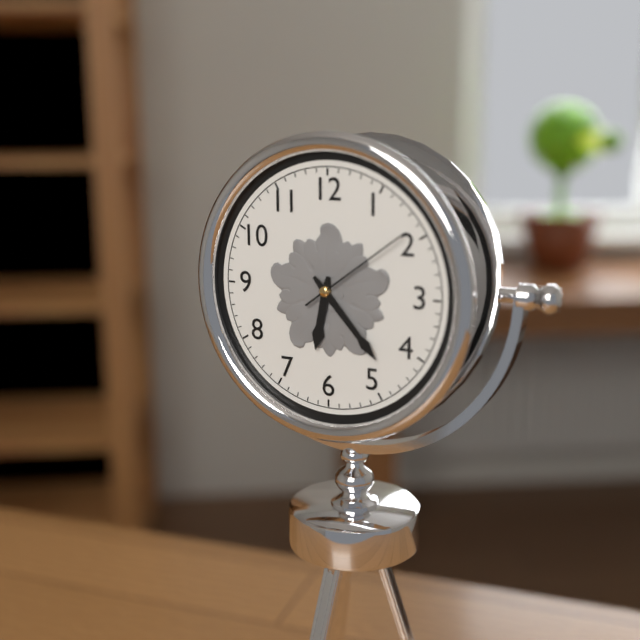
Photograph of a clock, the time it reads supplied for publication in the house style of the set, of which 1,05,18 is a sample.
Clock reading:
6,23,09
